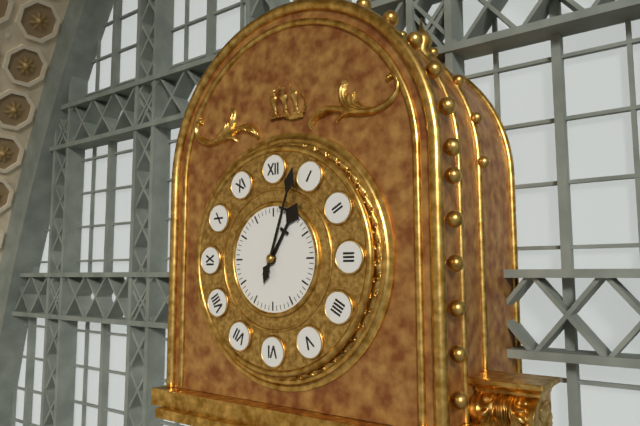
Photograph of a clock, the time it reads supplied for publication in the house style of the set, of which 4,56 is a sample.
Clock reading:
1,03
